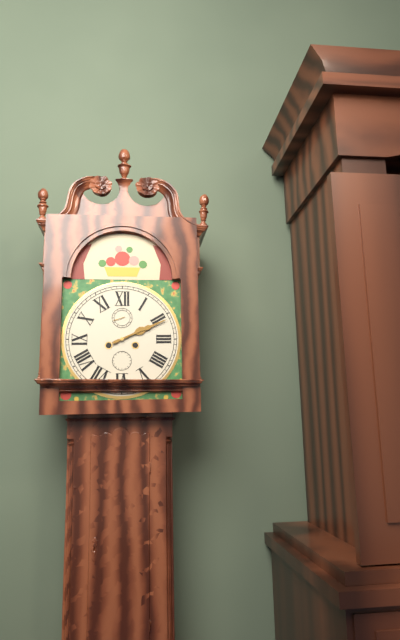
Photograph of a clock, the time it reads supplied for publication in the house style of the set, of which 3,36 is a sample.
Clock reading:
2,11
